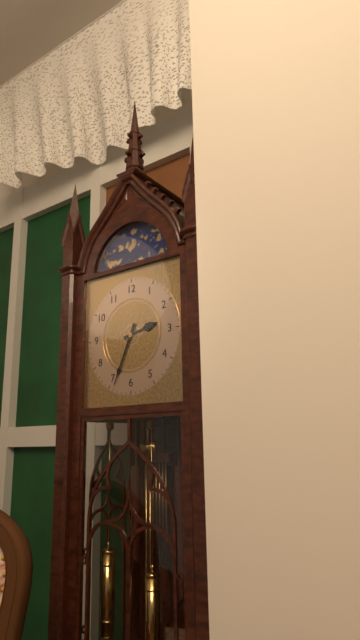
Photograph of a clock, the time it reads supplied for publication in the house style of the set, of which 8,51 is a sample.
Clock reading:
2,34
